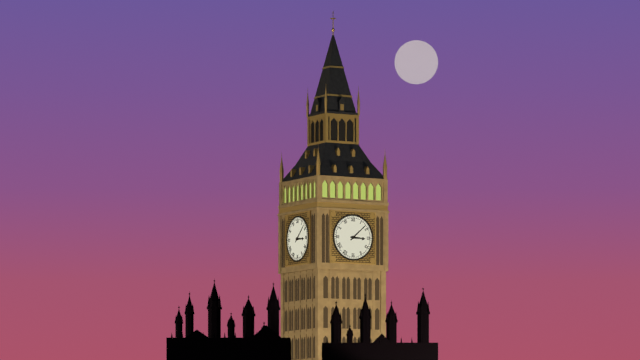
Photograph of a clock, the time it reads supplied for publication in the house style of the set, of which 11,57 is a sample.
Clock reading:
3,08
